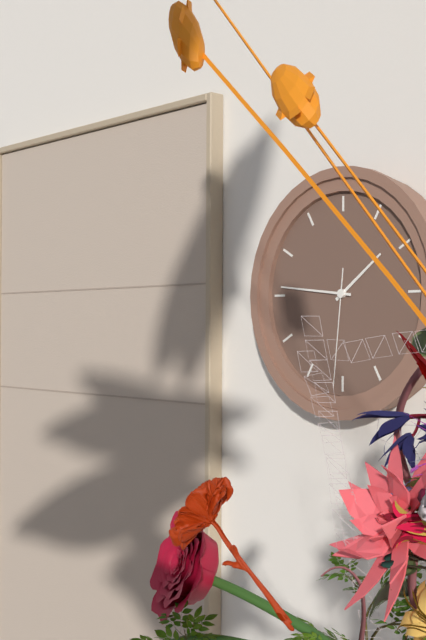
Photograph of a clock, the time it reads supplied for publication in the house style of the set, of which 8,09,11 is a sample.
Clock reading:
1,46,31
